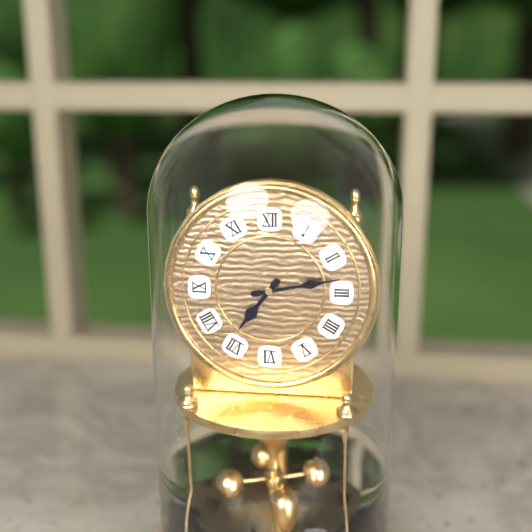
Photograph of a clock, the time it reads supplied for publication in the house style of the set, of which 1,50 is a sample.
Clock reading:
7,13
